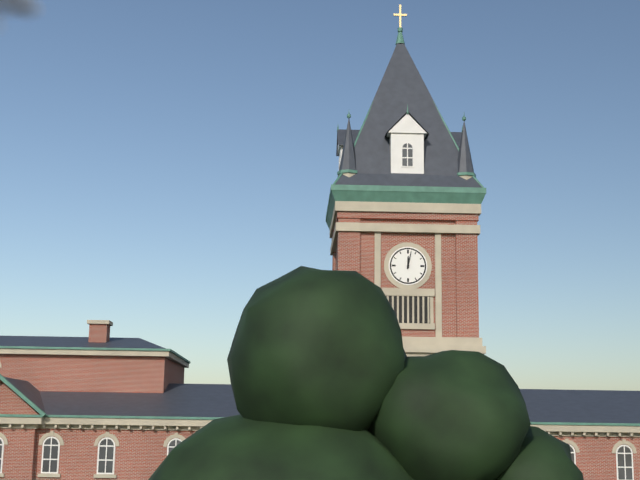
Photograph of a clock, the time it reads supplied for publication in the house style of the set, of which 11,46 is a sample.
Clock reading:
12,02
